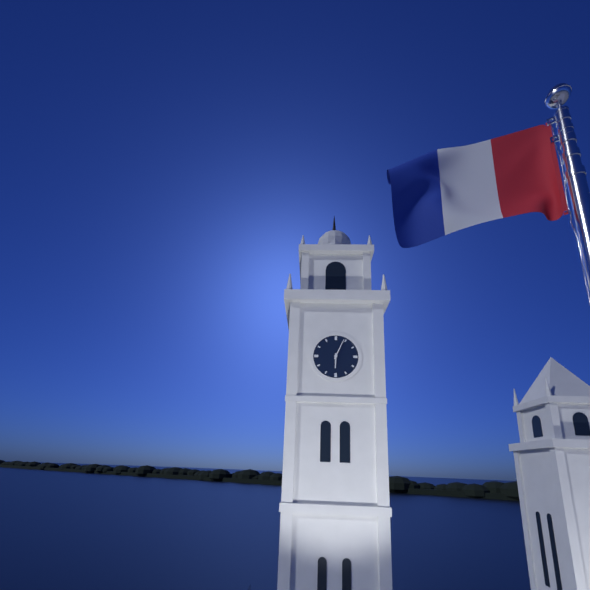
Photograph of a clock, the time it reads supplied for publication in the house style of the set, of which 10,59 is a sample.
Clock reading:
6,04
